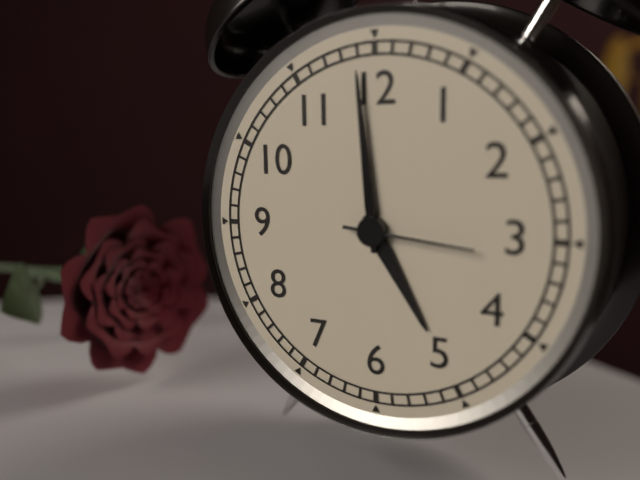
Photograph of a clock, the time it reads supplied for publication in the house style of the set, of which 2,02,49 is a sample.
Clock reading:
4,59,16
